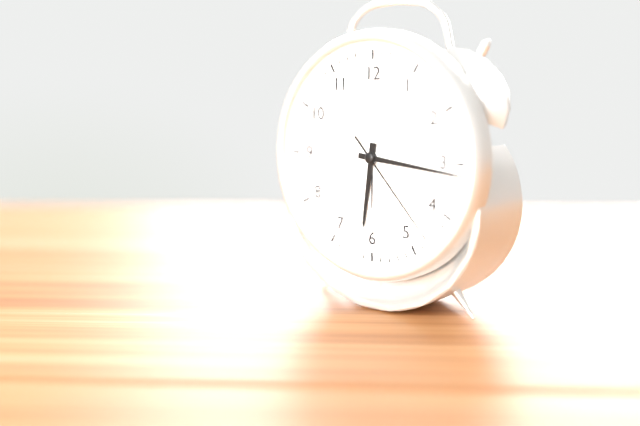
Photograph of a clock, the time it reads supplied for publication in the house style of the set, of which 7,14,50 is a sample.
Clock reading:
6,16,23
